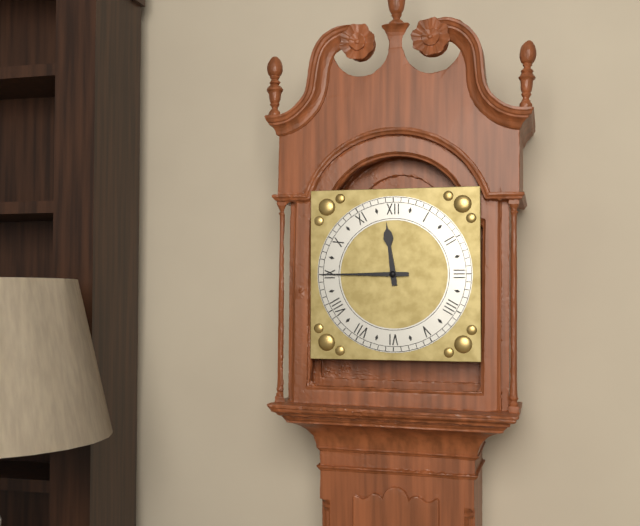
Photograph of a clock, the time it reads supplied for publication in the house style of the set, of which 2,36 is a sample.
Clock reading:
11,45
